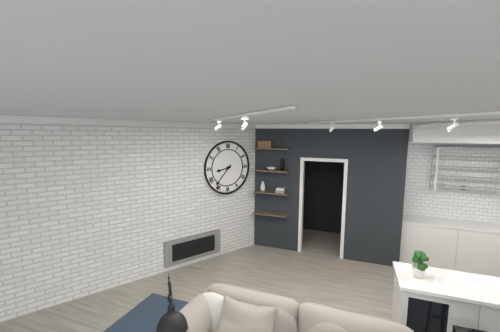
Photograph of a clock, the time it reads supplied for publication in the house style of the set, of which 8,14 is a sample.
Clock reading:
8,37
